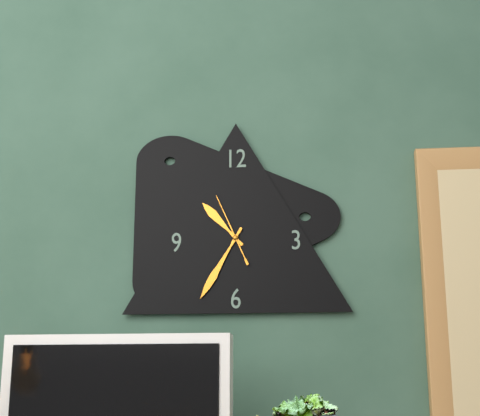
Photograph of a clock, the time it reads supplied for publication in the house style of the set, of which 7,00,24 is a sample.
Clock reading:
10,35,56
